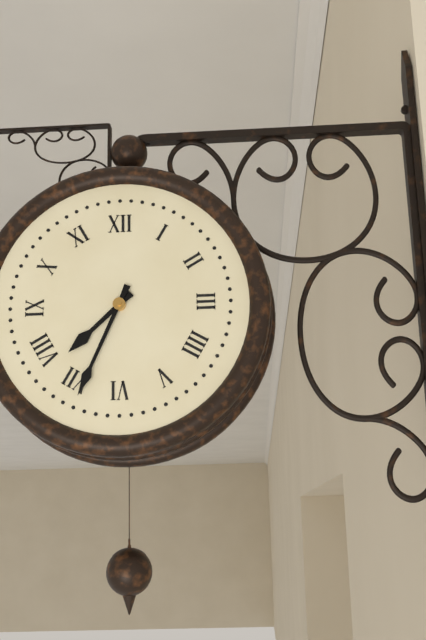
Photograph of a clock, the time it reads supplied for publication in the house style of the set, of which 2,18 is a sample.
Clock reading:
7,34
